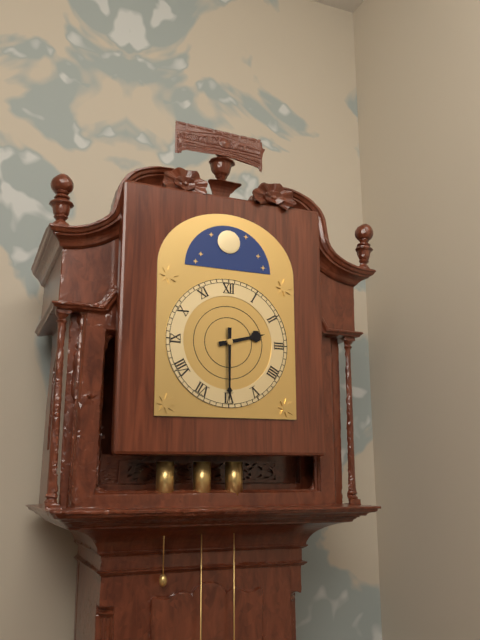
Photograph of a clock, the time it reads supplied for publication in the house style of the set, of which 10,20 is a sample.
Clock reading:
2,30
